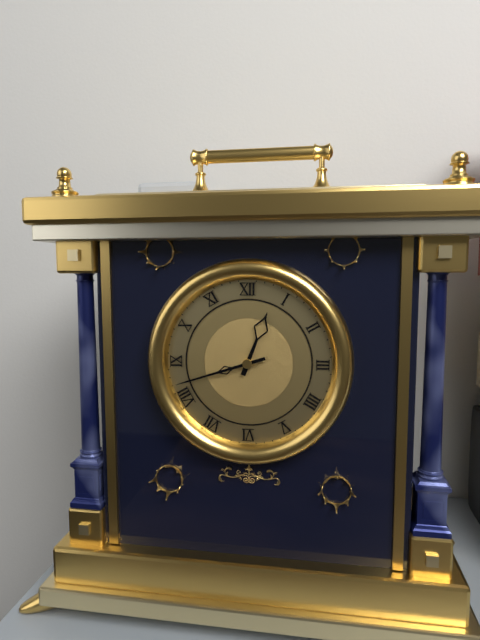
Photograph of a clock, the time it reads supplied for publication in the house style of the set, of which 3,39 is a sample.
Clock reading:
12,42
